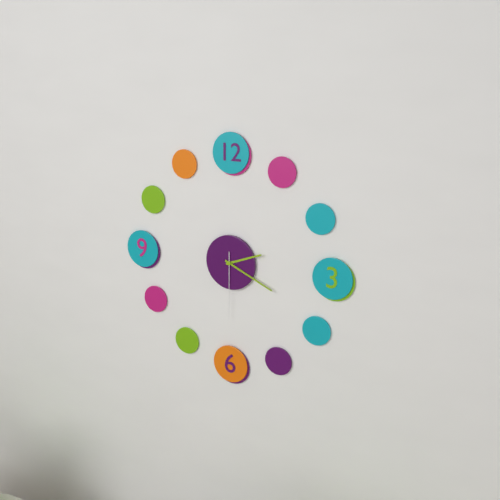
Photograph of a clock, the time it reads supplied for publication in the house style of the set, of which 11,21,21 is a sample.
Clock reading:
2,19,30
